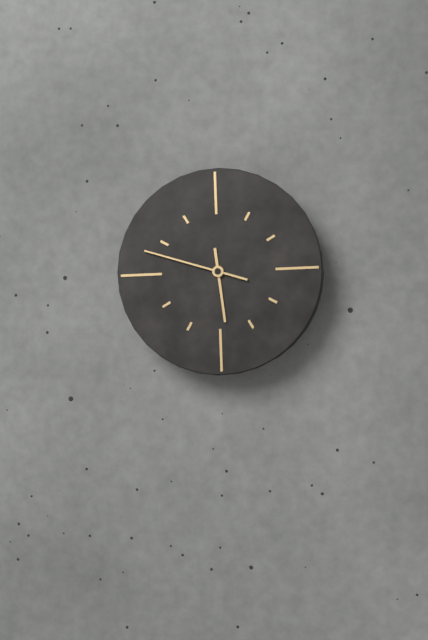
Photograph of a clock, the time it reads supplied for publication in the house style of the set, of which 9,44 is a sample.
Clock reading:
5,48
